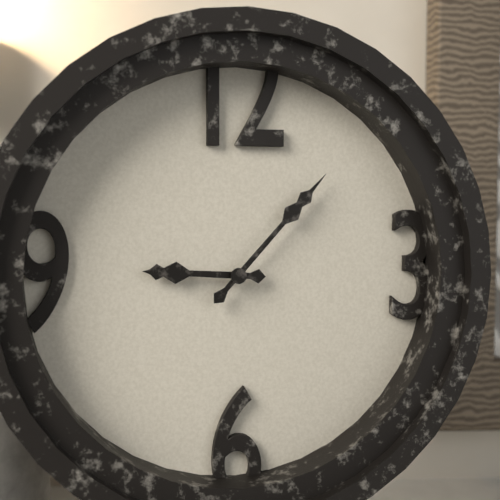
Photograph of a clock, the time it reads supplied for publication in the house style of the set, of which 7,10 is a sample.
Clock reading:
9,07
